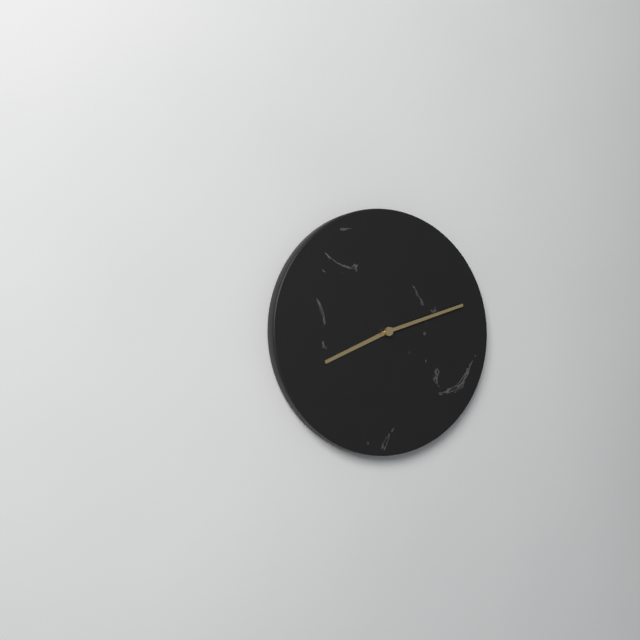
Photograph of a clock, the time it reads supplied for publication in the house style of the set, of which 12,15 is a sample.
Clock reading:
8,12
